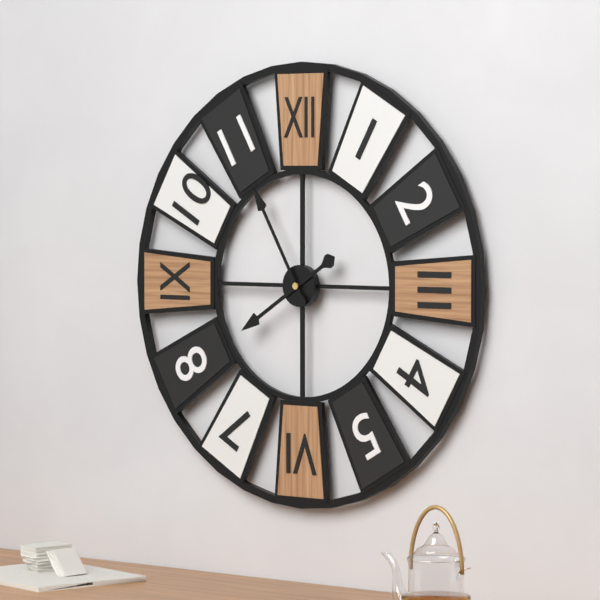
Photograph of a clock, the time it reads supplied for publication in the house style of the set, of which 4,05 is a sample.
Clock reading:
7,55
